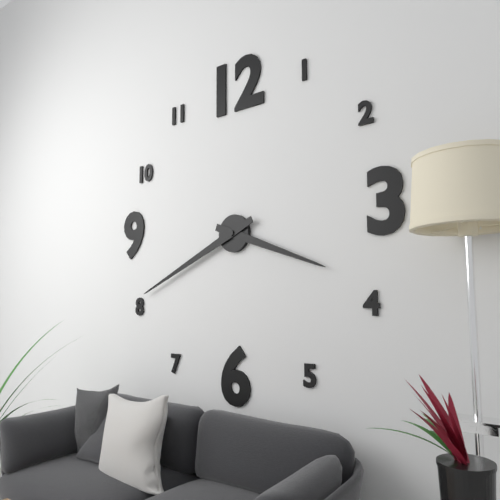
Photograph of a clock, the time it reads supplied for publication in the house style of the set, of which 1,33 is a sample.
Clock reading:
3,41
